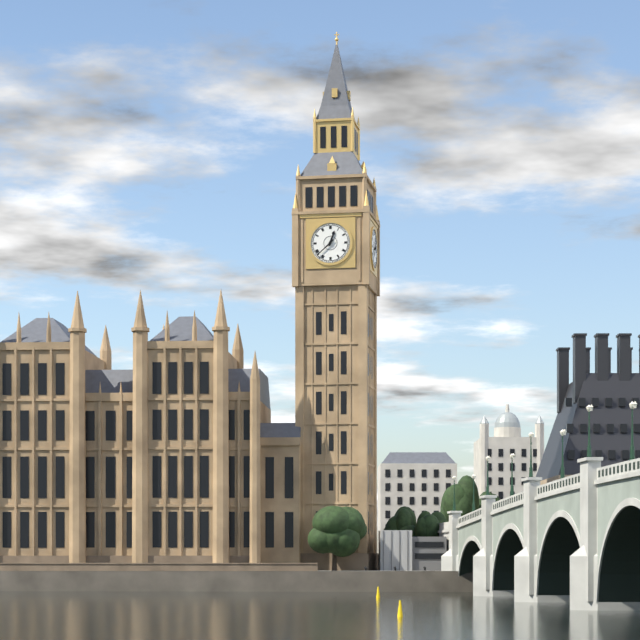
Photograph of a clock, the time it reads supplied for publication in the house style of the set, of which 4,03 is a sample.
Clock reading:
12,38
